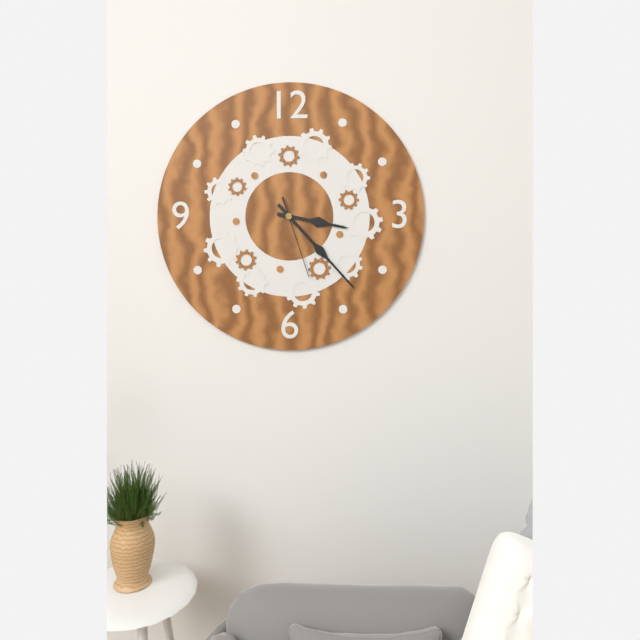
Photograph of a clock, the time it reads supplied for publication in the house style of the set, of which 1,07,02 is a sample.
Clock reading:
3,23,27
